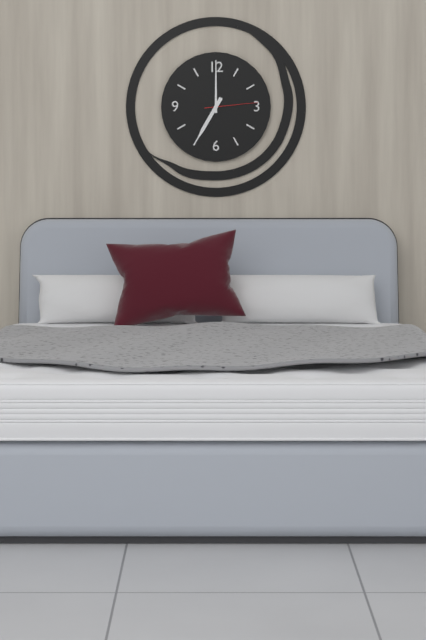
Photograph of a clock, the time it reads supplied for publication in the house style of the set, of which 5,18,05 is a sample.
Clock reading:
7,00,14
